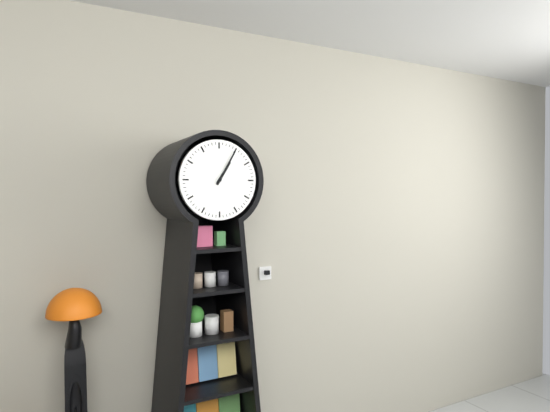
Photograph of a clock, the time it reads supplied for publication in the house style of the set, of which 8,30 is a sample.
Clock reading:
1,05
